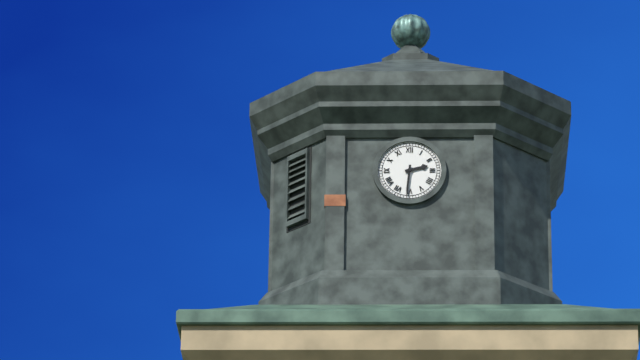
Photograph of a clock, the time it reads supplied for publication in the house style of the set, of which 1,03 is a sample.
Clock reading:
2,31
